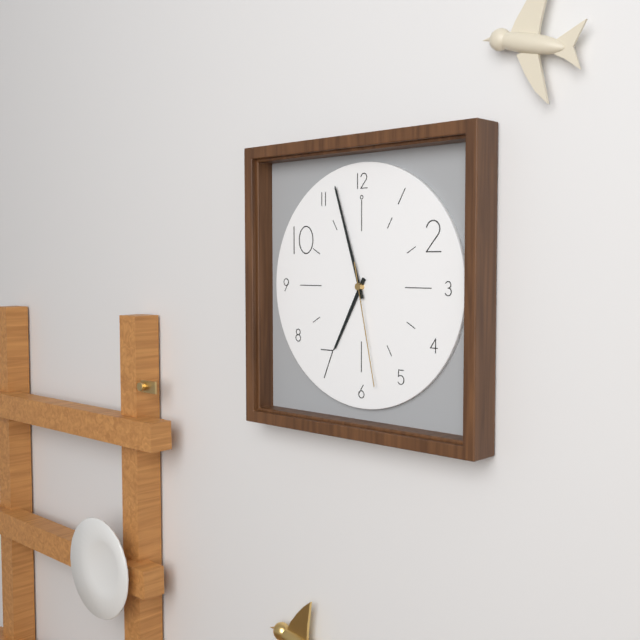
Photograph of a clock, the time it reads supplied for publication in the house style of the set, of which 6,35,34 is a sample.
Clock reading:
6,57,28
